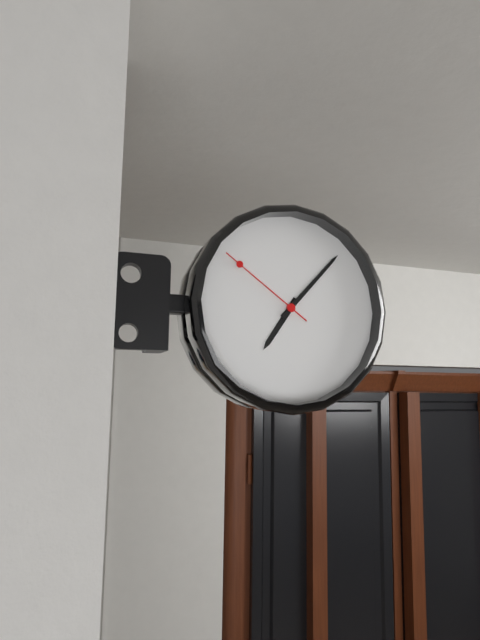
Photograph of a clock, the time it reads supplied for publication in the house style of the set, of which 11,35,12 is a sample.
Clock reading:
7,07,51
